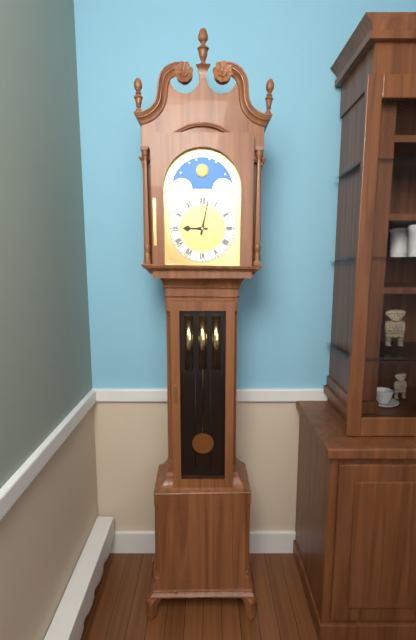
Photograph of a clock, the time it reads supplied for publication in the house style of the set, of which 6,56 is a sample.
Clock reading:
9,02
